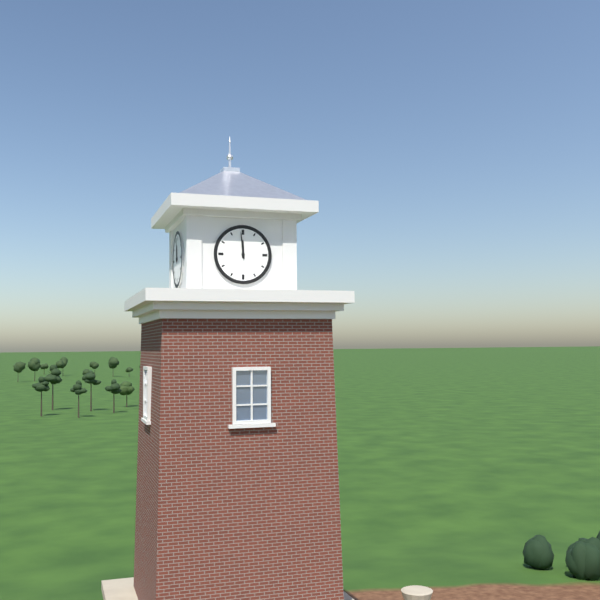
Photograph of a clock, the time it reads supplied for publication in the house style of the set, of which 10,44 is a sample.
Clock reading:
11,59
